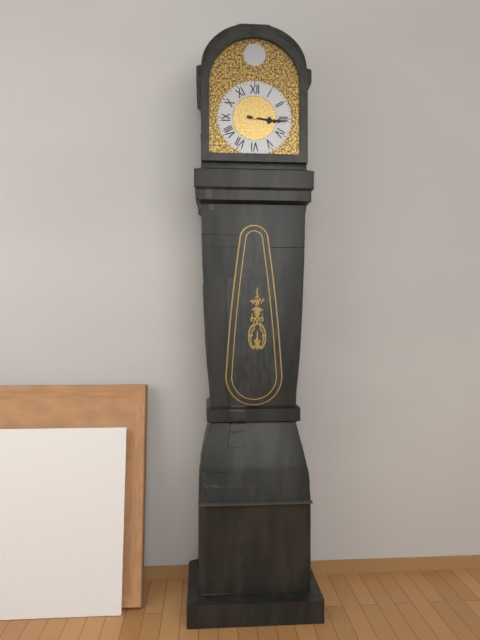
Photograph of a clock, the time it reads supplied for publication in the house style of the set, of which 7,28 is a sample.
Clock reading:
3,16
